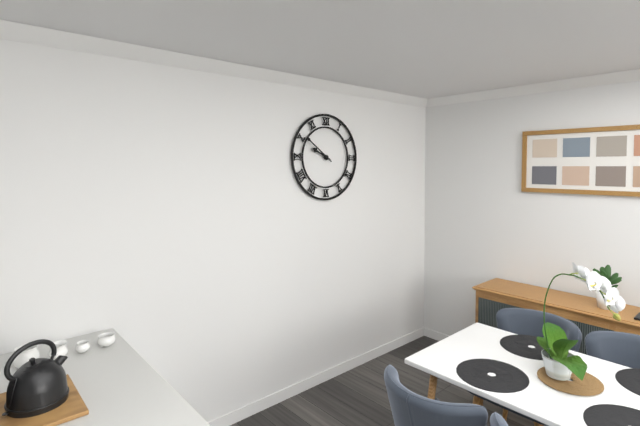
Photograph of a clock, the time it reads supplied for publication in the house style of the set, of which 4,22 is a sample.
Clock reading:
9,51
